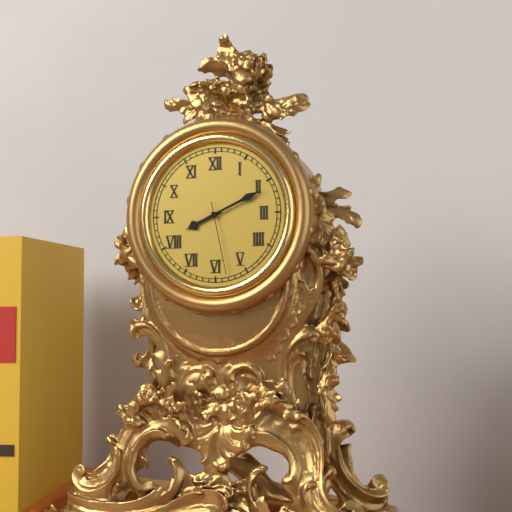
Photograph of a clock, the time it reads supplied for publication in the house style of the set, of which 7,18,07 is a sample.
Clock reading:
8,11,28
